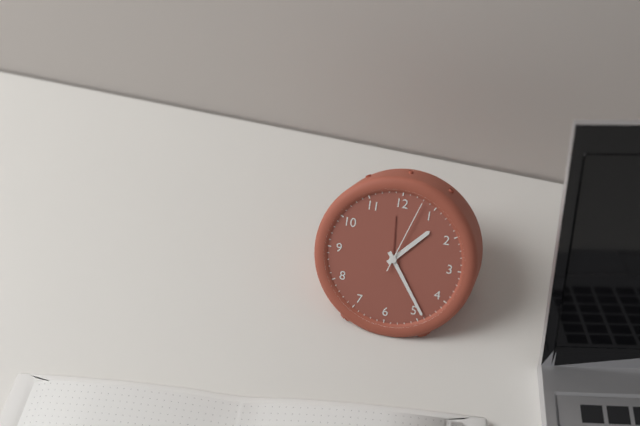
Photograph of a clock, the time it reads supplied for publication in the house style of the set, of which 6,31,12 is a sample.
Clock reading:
1,24,03
